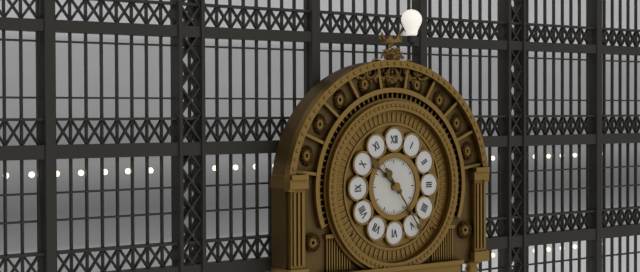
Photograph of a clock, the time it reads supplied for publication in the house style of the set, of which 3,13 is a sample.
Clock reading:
10,24
